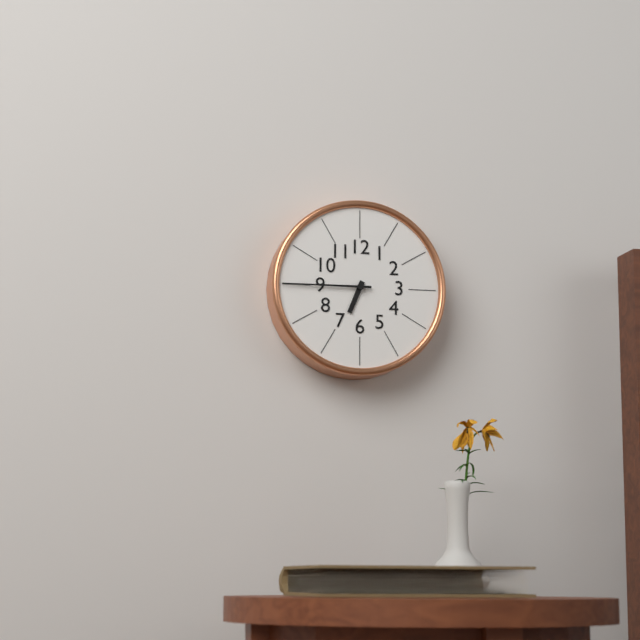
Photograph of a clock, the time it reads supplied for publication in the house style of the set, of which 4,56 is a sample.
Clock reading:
6,45
